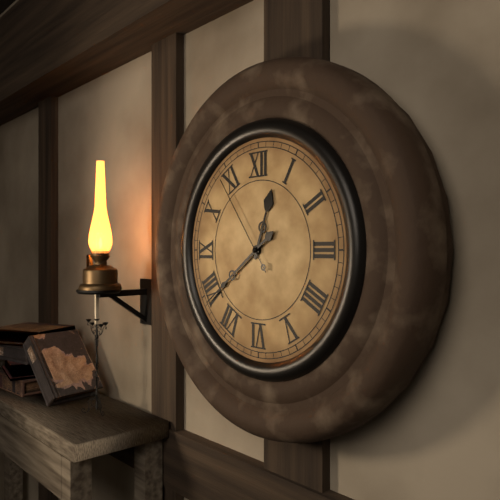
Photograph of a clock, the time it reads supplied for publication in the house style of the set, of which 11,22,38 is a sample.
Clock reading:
12,39,54
